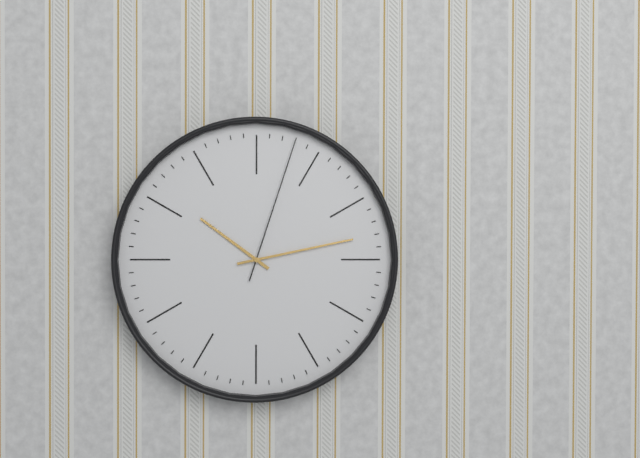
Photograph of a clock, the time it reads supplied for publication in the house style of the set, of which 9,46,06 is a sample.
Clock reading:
10,13,03
